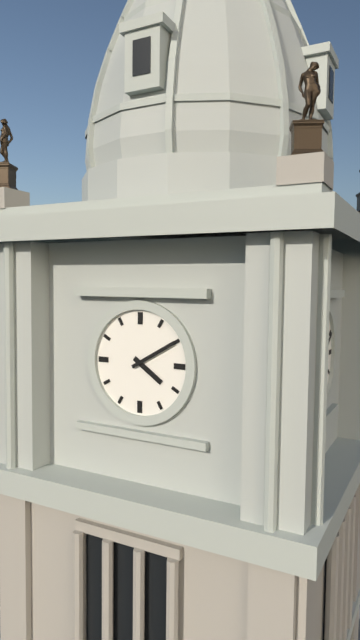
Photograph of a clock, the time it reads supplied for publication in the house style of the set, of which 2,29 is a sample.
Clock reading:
4,10
